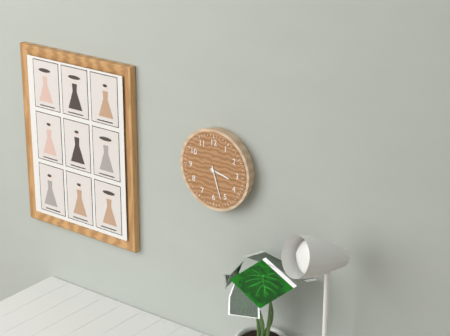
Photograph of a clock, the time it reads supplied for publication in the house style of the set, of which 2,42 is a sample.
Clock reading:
3,27
